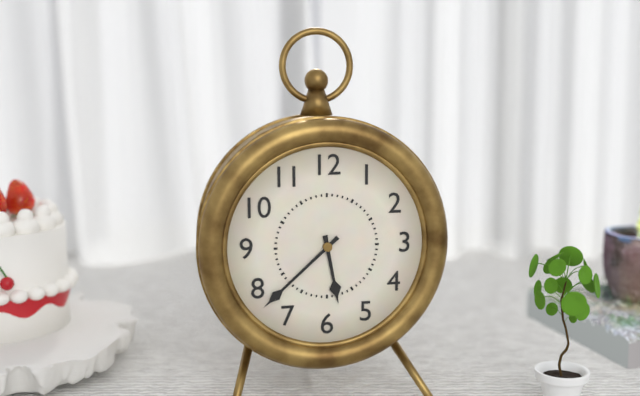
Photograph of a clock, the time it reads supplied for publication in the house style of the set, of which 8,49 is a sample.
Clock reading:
5,38
